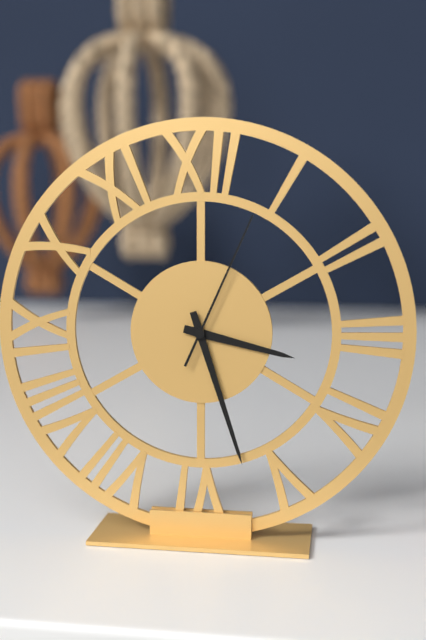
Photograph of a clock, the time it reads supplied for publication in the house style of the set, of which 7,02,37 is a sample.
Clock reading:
3,27,04
